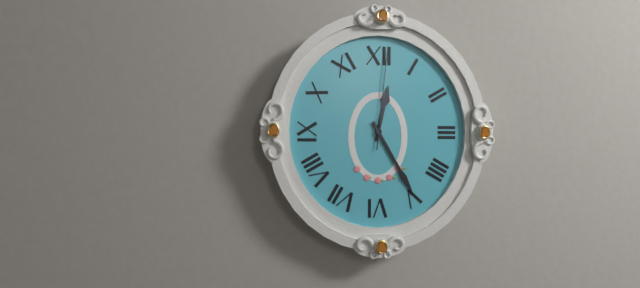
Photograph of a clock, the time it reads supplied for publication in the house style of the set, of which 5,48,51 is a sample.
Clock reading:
12,25,01
